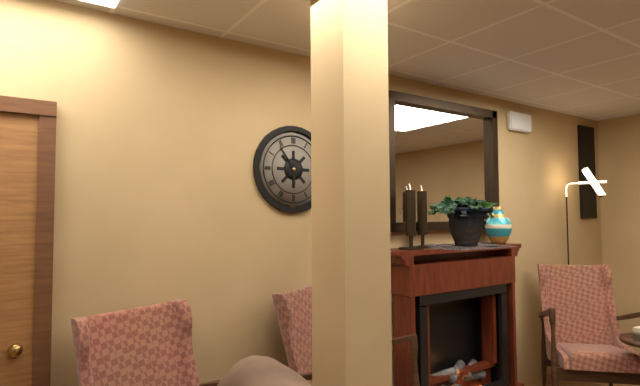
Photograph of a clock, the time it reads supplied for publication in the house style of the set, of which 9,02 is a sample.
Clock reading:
5,54
